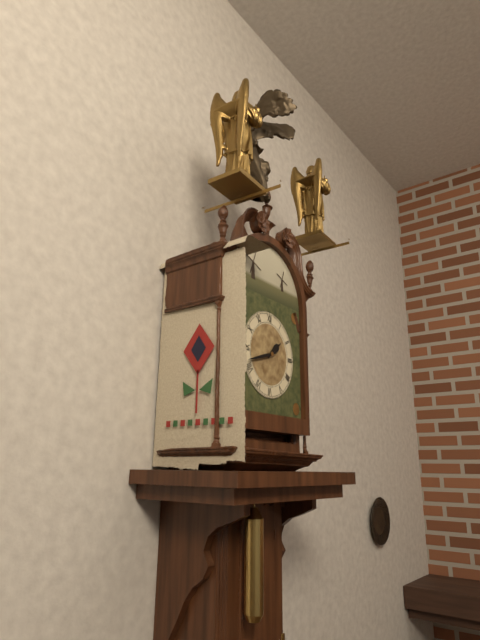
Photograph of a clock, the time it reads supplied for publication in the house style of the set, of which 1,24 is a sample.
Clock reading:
1,42
